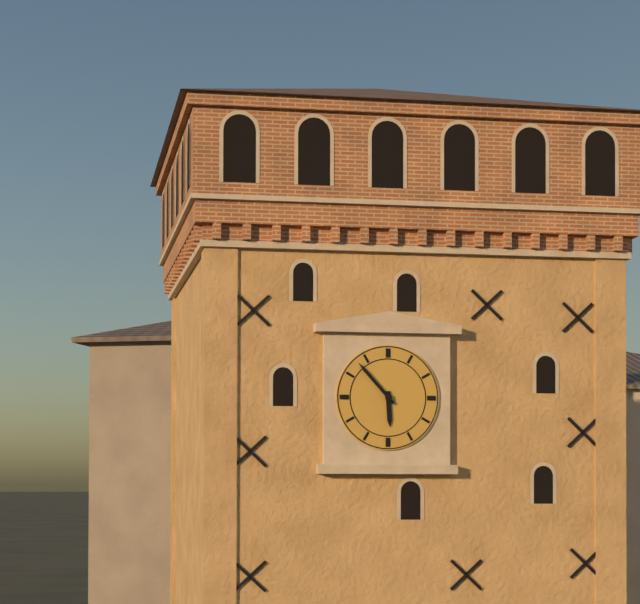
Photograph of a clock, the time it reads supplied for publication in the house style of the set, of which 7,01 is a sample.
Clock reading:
5,53
